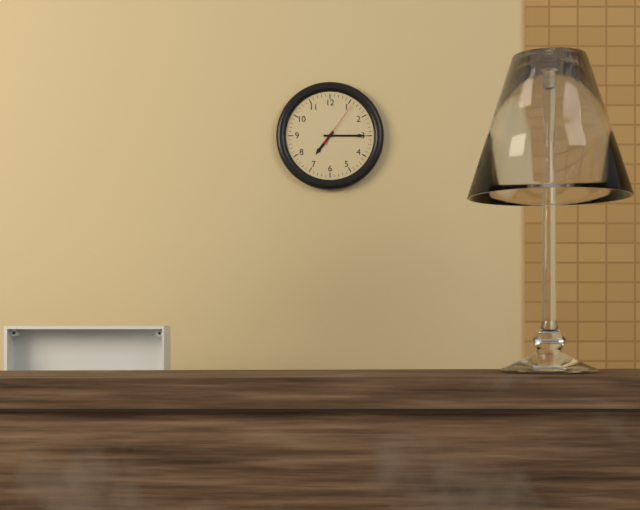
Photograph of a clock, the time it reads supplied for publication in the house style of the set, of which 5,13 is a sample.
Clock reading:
7,15
